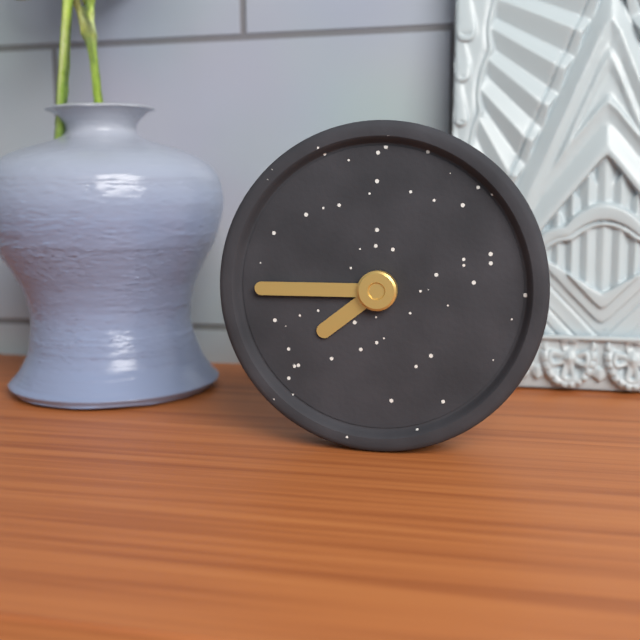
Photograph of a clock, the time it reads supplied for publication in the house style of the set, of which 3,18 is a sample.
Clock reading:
7,45
